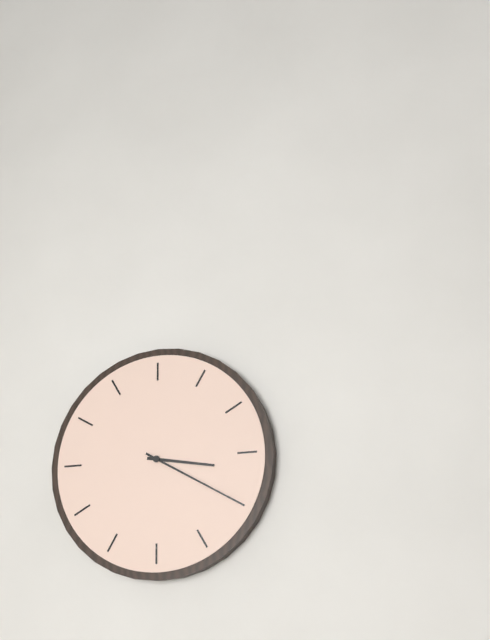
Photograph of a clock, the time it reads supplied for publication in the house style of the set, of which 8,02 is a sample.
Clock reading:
3,20
